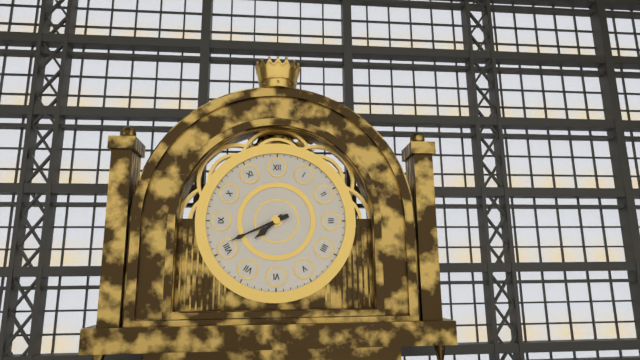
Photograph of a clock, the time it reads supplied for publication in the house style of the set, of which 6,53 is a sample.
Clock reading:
7,41
